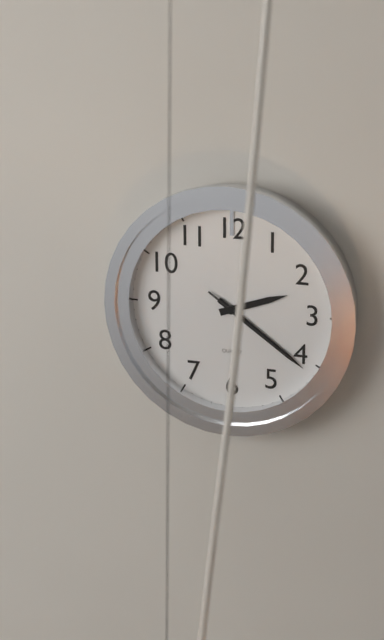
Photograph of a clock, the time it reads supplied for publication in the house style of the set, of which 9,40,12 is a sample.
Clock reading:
2,21,21
